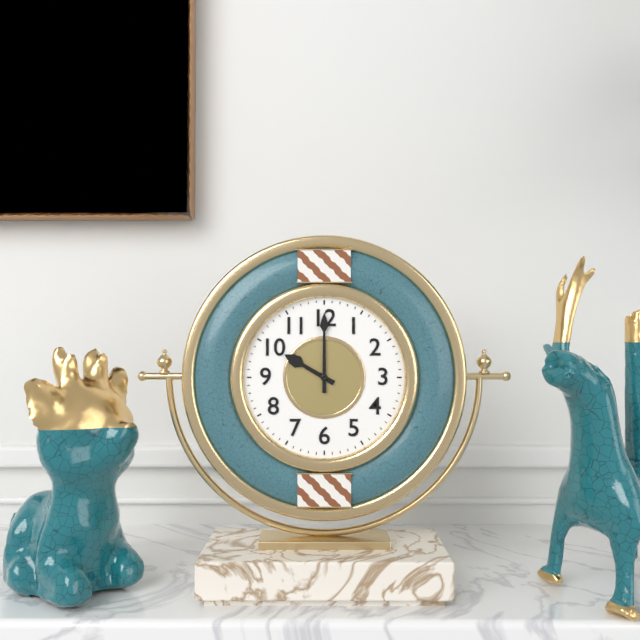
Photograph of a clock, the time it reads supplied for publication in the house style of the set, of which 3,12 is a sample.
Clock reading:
10,00
